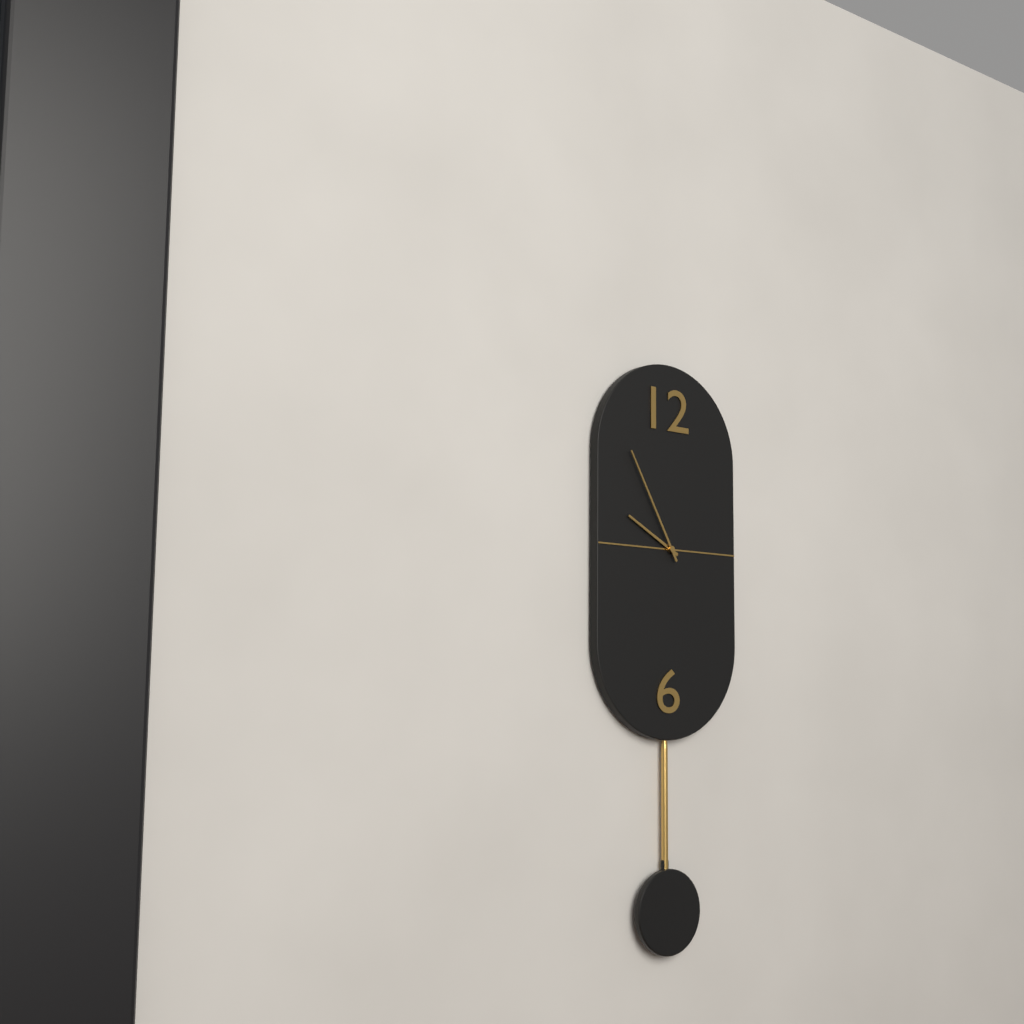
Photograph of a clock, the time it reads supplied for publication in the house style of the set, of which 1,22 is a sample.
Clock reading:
9,55
